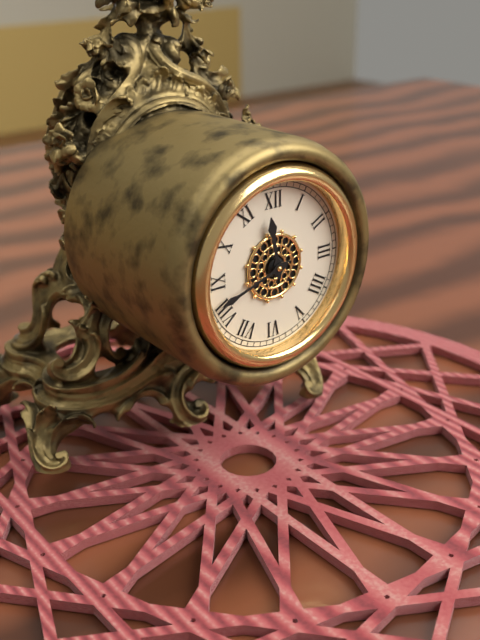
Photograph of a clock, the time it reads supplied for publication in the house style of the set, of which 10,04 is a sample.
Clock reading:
11,42
